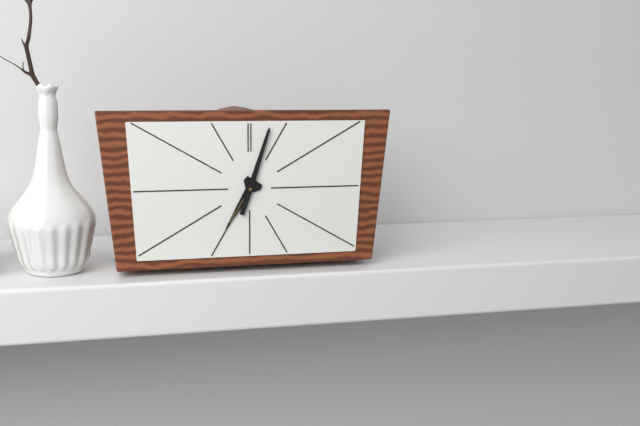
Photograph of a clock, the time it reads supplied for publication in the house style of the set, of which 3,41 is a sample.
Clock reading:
7,03
